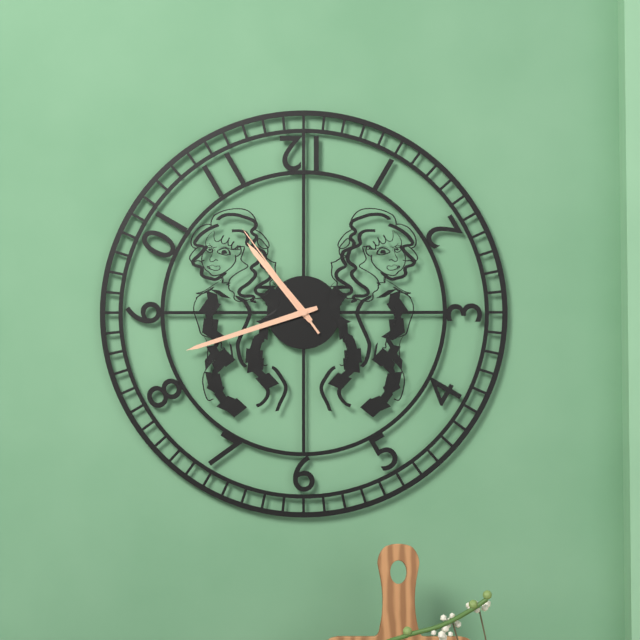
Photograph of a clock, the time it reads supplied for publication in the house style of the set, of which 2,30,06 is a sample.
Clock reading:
10,42,54
